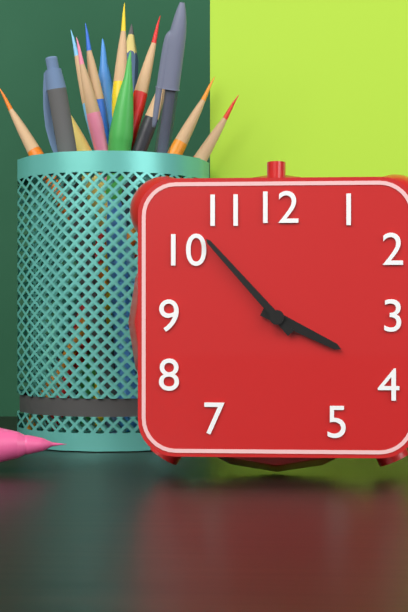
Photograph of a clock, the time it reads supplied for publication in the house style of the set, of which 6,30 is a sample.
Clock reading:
3,53
